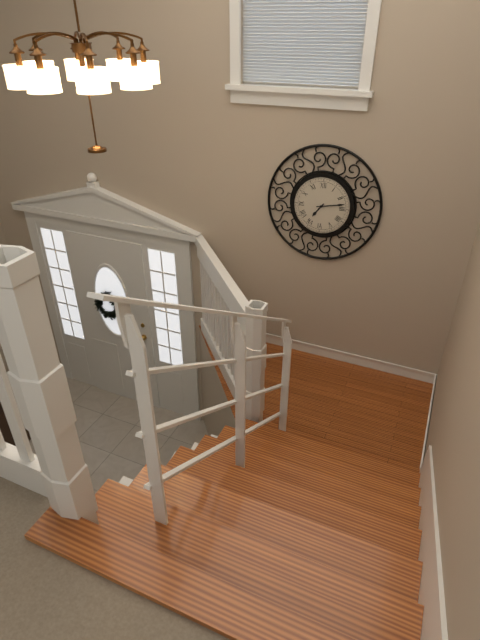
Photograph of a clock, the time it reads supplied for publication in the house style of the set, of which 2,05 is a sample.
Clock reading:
7,13
